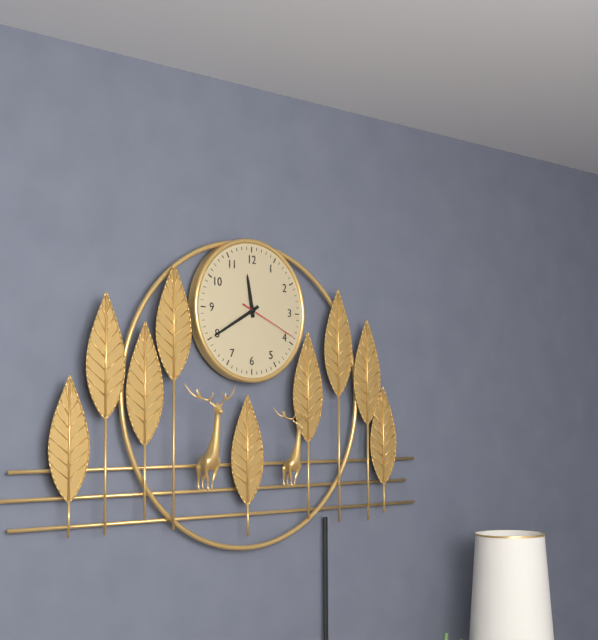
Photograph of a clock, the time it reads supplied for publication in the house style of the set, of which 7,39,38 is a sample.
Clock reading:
11,40,19
